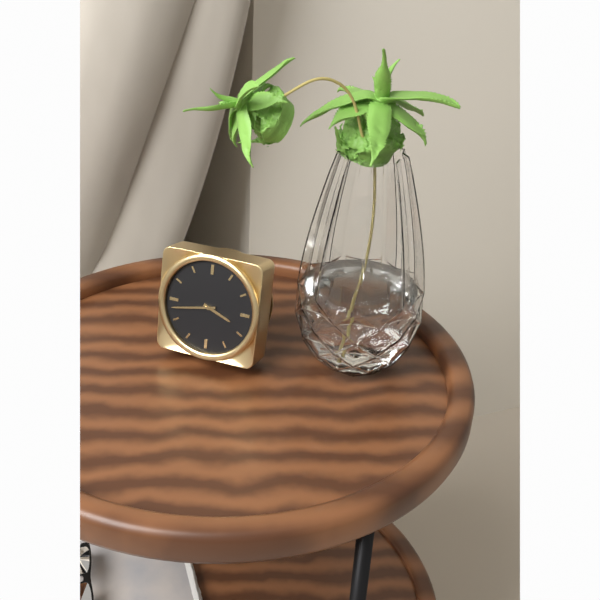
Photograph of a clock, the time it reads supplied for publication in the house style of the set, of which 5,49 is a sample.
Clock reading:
3,43
